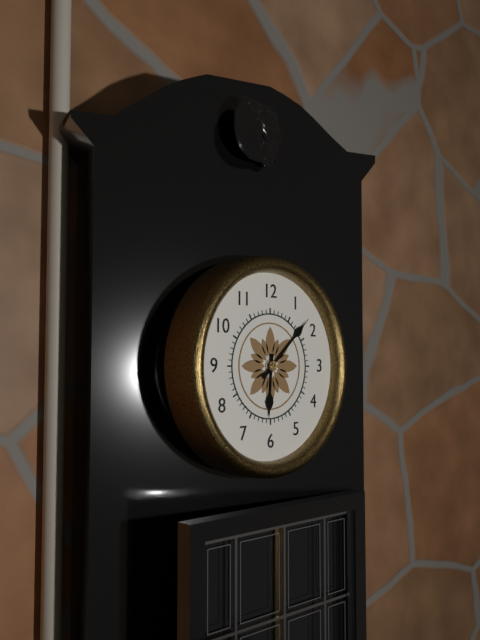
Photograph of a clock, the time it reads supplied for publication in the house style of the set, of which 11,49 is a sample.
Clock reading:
6,08
